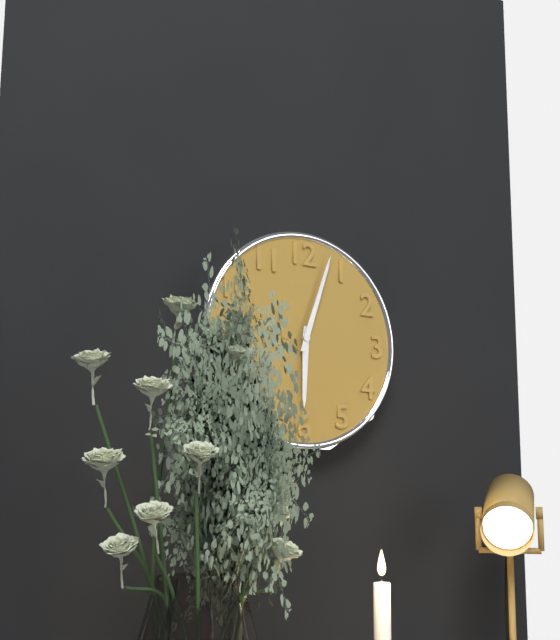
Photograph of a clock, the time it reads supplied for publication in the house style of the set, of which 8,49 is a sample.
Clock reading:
6,03
